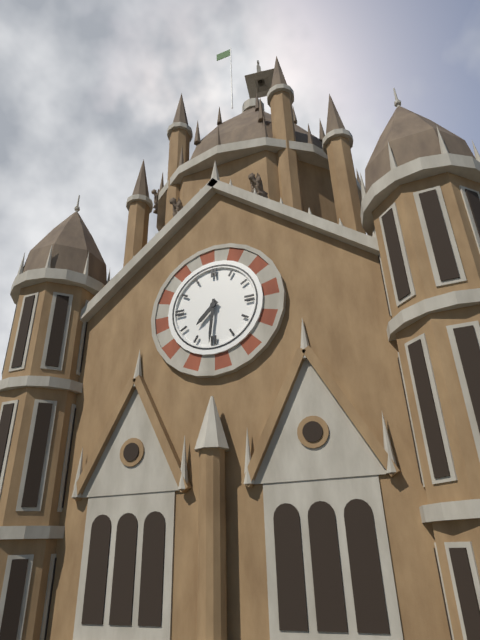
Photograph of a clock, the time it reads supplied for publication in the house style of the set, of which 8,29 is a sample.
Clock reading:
7,31
